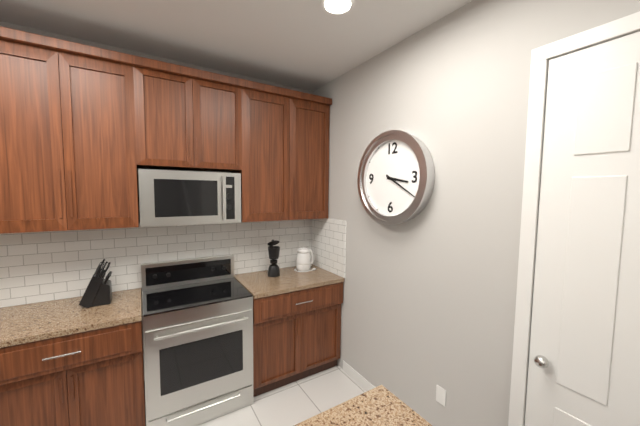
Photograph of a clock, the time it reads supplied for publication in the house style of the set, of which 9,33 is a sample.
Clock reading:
3,20
